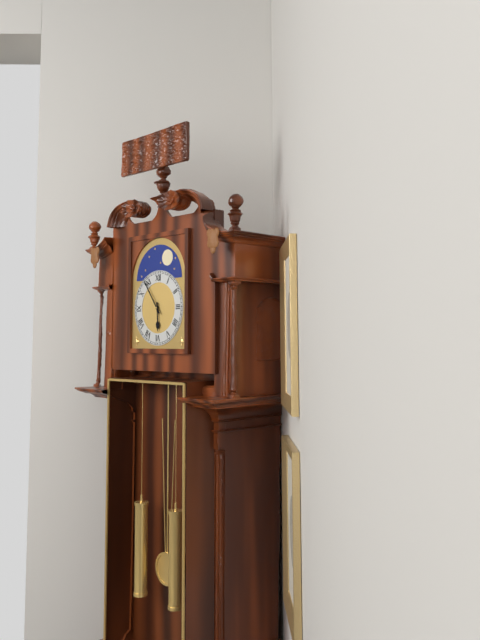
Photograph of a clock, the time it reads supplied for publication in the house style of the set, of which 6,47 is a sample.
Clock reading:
5,54
